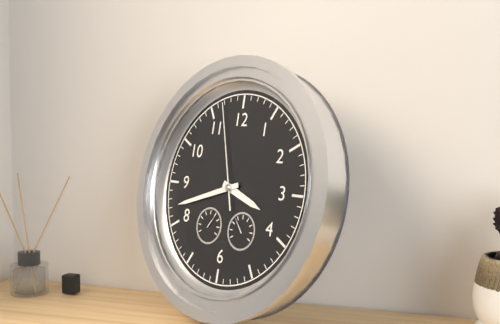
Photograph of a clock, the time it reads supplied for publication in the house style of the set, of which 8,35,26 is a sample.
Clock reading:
3,42,57
